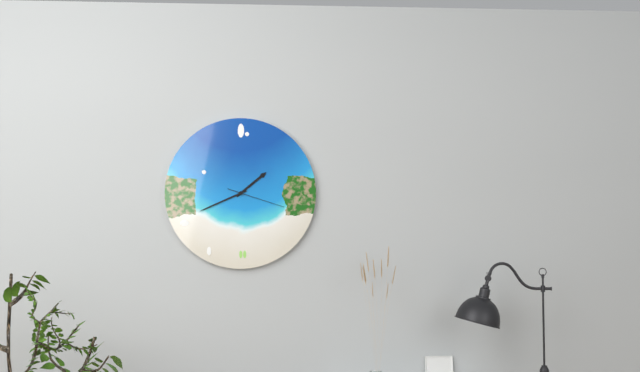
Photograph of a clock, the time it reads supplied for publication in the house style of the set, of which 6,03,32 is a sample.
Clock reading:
1,41,18
